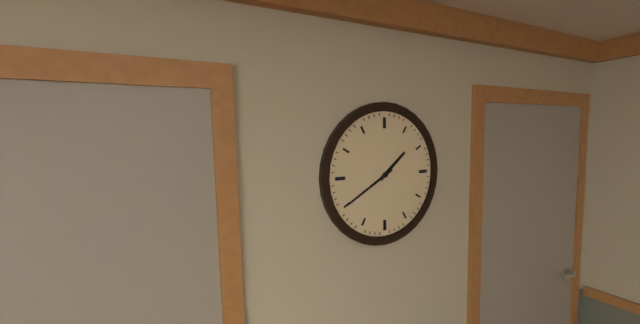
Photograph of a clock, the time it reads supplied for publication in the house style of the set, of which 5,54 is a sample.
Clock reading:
1,40
